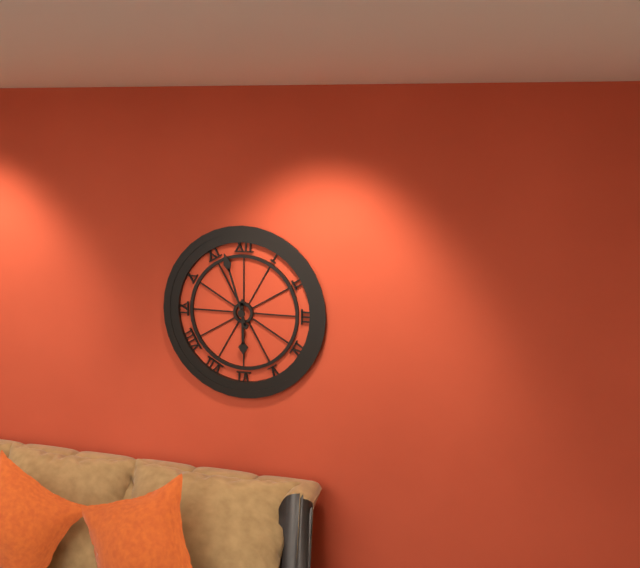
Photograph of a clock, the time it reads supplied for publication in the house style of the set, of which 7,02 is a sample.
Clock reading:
5,57
